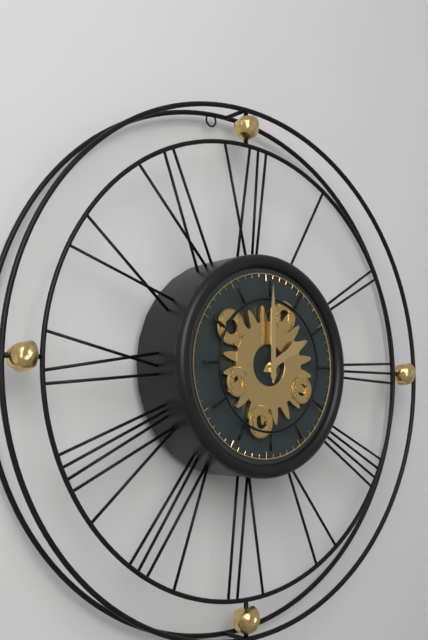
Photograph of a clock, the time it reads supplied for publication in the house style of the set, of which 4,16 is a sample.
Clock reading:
2,00
